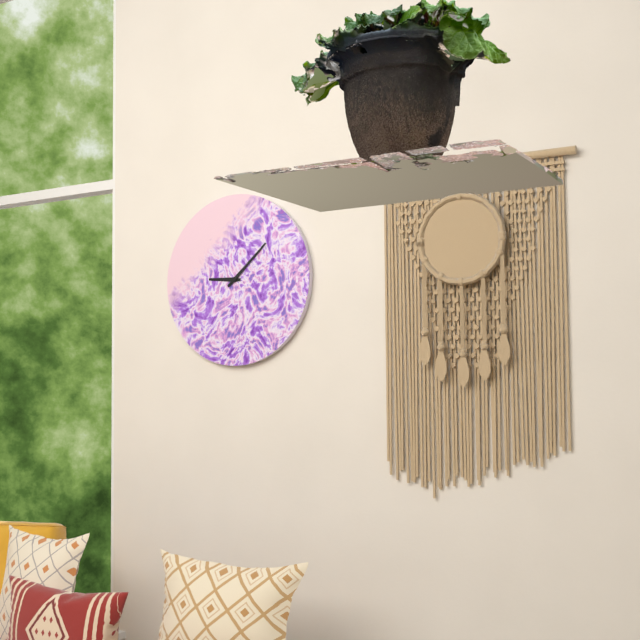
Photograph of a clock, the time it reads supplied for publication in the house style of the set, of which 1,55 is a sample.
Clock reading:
9,08
